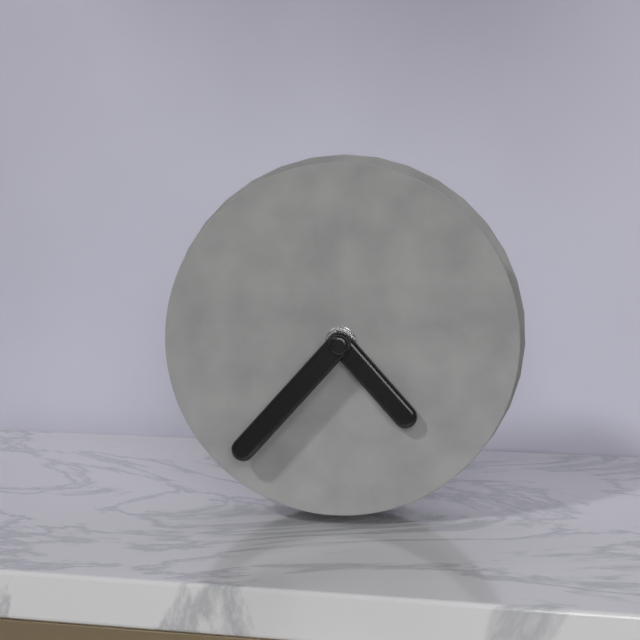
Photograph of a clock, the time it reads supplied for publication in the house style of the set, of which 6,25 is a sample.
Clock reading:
4,37
